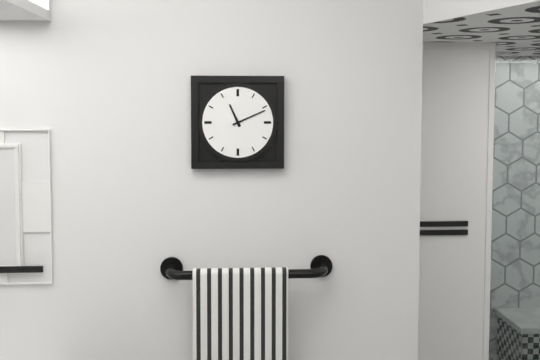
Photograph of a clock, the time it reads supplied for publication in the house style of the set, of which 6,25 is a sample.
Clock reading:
11,11
